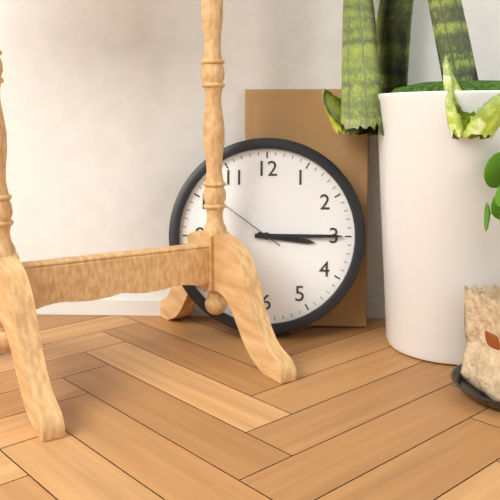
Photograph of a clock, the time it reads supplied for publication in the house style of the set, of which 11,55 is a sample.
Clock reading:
3,15
